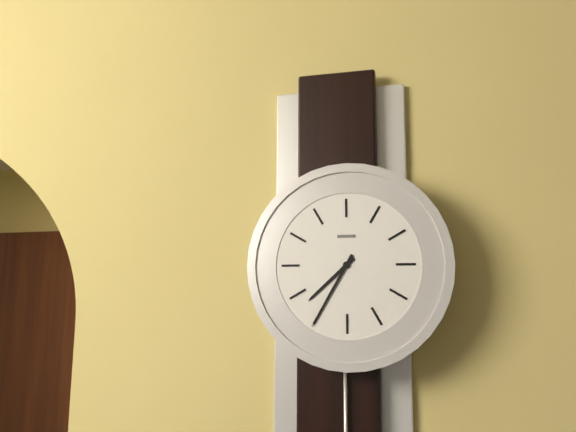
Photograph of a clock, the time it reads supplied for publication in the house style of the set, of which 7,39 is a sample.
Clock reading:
7,35
